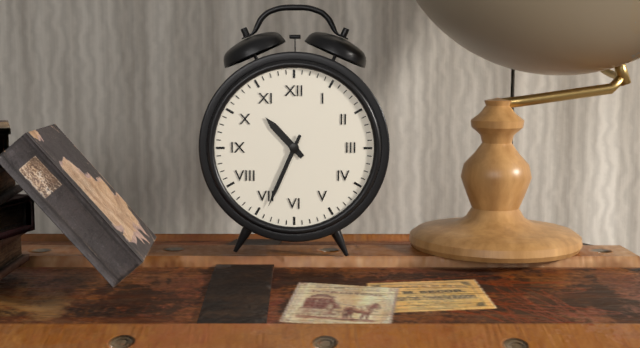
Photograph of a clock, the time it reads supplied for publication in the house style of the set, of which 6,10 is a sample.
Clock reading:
10,34
